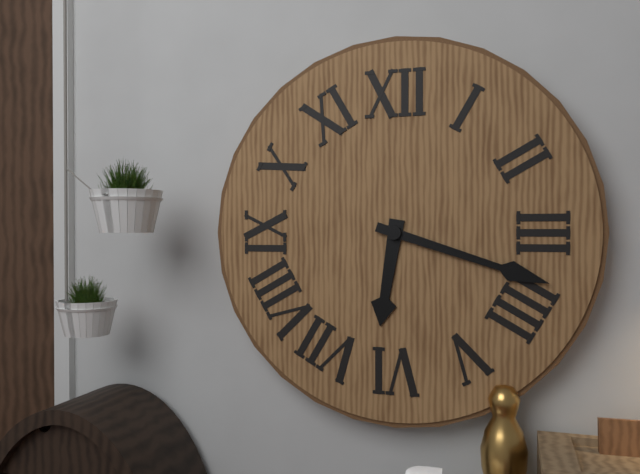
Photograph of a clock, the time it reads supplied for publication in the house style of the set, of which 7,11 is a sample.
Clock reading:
6,18
